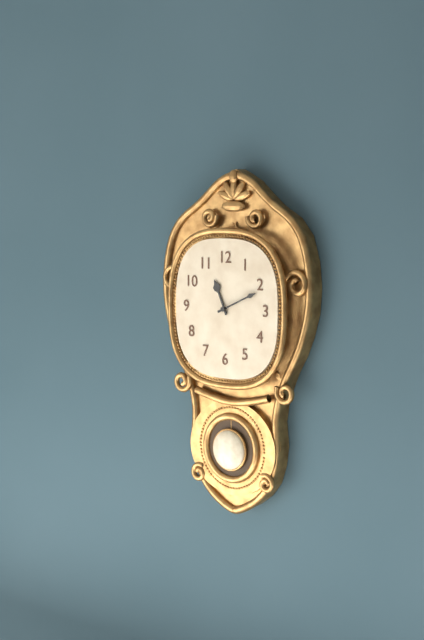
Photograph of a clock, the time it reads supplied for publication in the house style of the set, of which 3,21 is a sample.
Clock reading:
11,11
